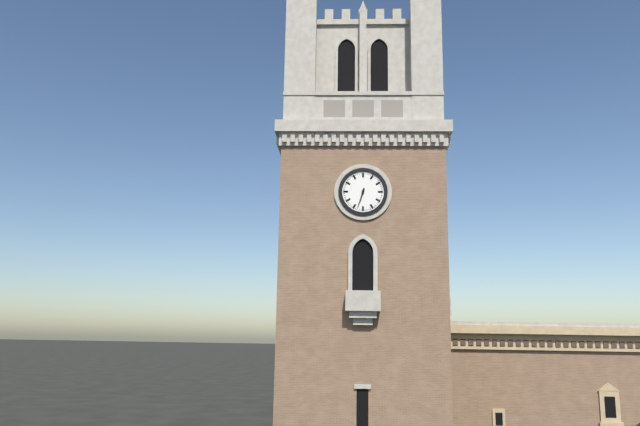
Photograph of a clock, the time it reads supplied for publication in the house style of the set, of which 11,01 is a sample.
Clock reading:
6,33
